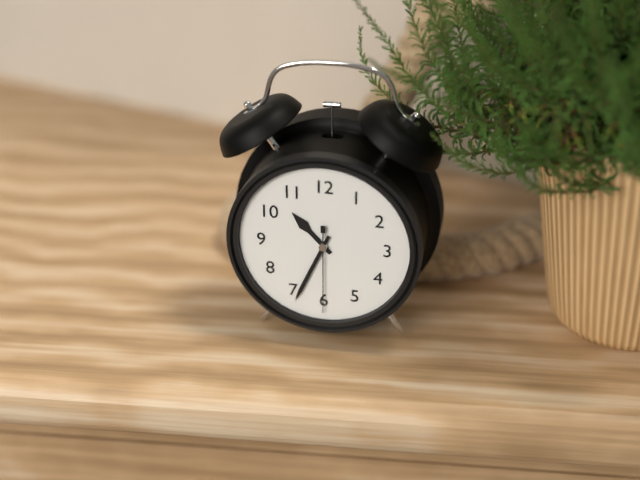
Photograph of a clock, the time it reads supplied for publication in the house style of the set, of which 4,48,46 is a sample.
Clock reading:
10,34,30
